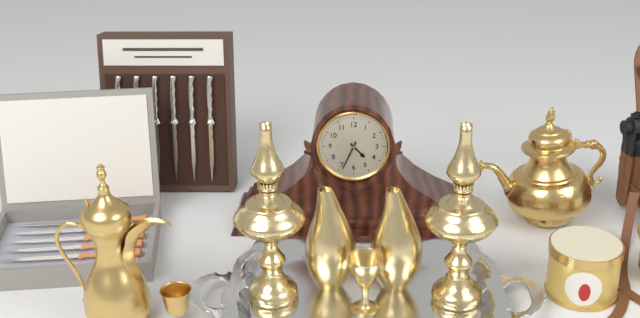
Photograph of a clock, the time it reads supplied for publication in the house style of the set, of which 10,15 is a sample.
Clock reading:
4,34
